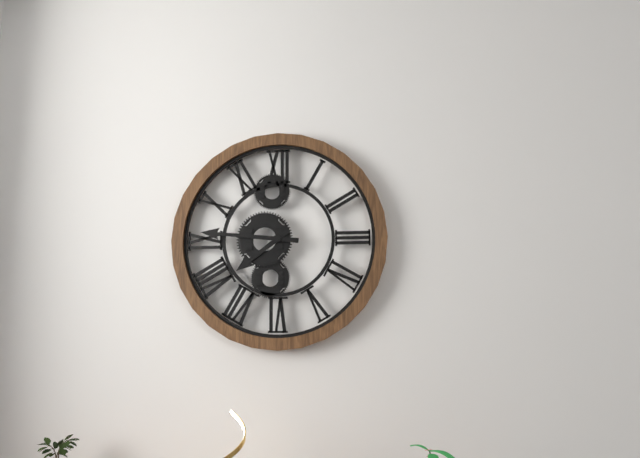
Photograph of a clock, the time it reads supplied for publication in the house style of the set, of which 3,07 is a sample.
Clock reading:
7,46
